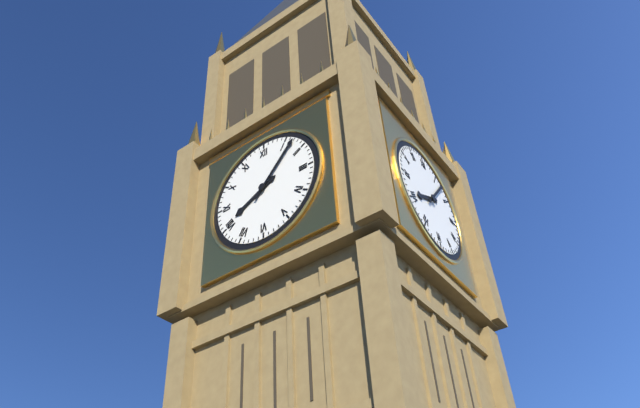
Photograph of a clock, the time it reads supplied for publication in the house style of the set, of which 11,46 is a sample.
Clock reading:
8,07
